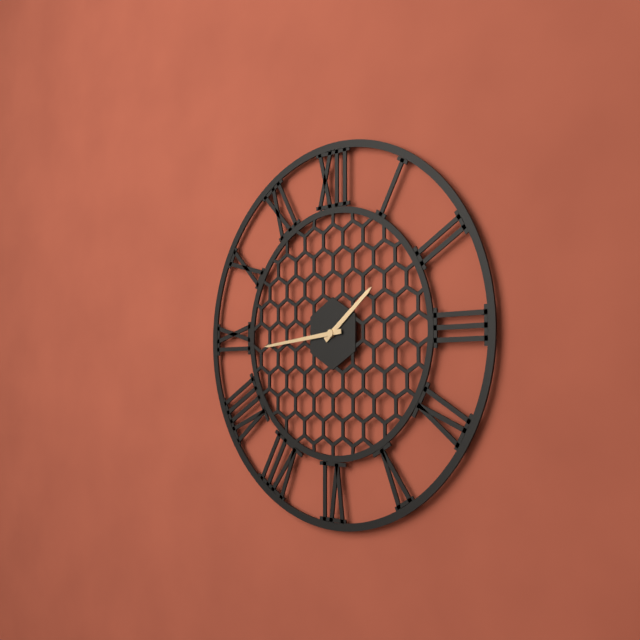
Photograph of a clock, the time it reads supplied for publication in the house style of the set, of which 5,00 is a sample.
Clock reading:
1,44
